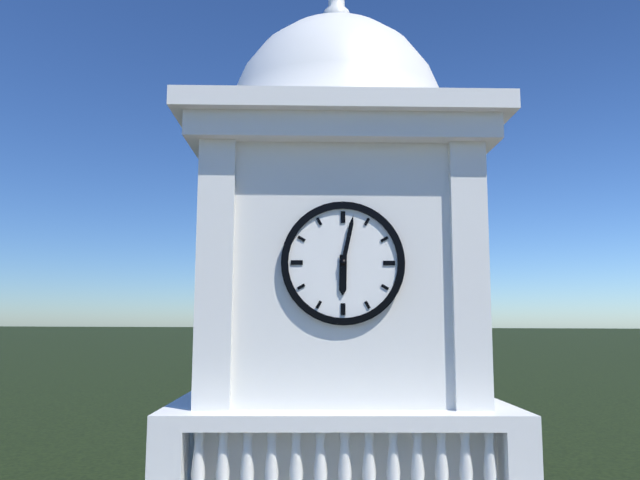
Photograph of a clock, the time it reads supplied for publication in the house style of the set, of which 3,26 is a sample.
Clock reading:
6,02
